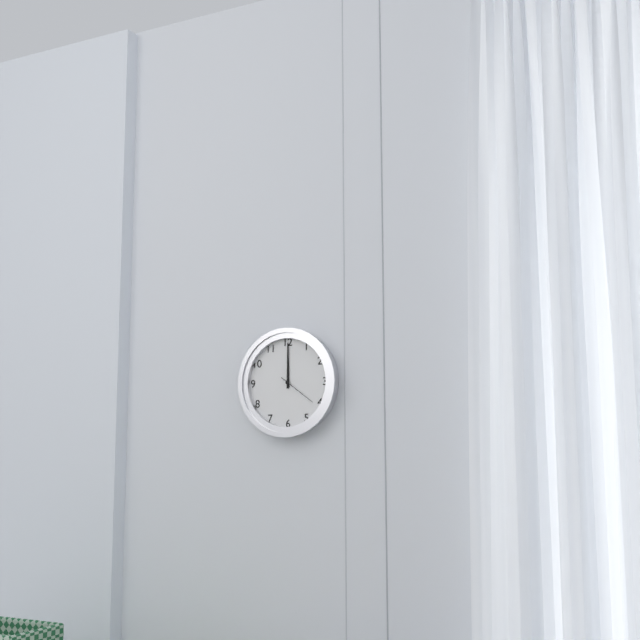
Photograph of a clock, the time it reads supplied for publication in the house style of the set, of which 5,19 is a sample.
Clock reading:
12,00
